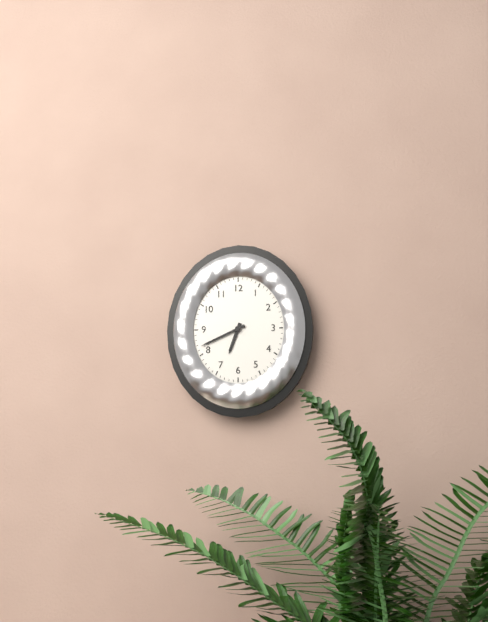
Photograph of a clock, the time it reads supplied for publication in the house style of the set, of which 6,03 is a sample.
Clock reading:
6,41
